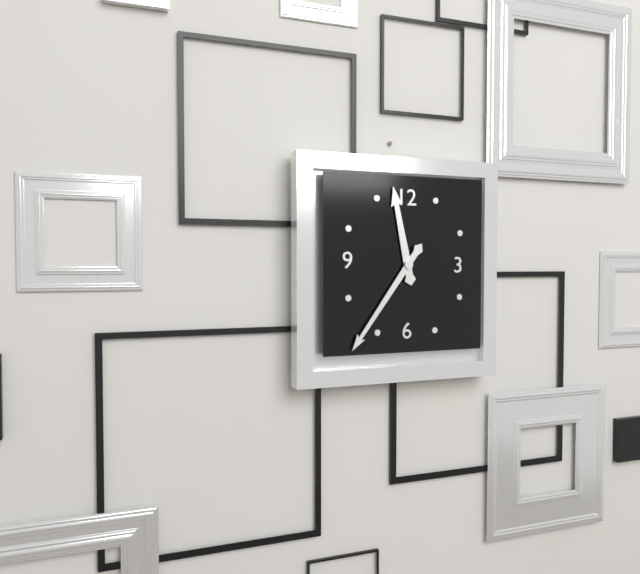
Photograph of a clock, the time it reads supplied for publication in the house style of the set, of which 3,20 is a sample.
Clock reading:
11,36
